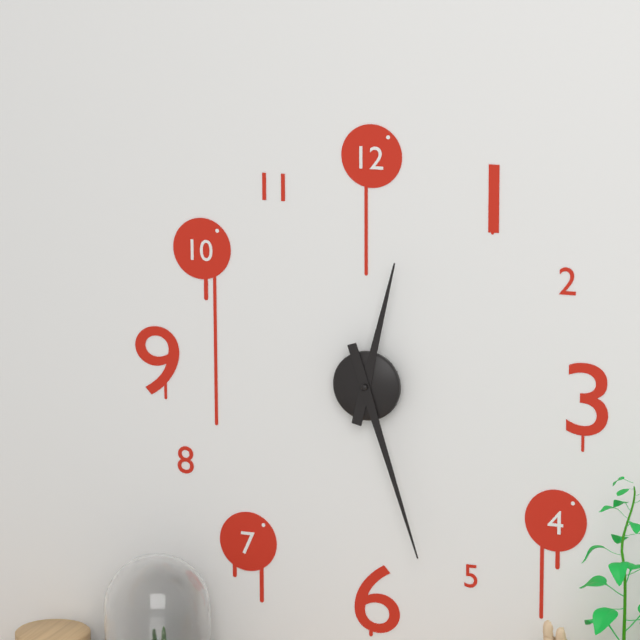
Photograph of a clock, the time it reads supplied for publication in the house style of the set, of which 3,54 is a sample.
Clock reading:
12,27
